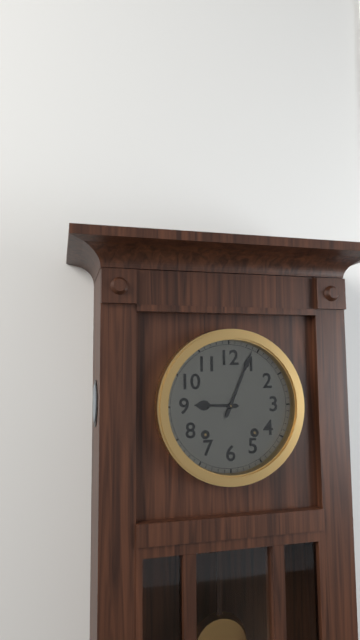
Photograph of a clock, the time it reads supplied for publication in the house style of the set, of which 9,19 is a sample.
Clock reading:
9,04
